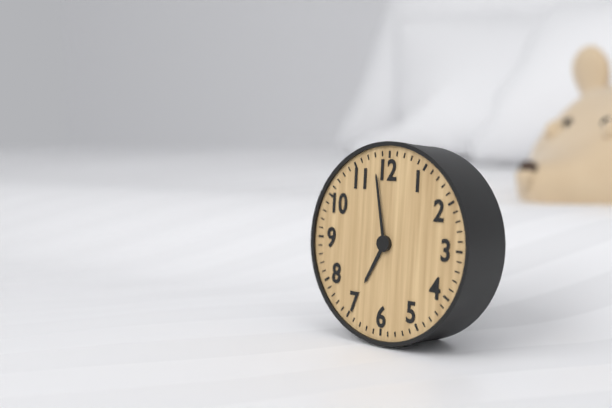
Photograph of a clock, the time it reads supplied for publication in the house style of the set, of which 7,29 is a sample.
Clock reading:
6,58
